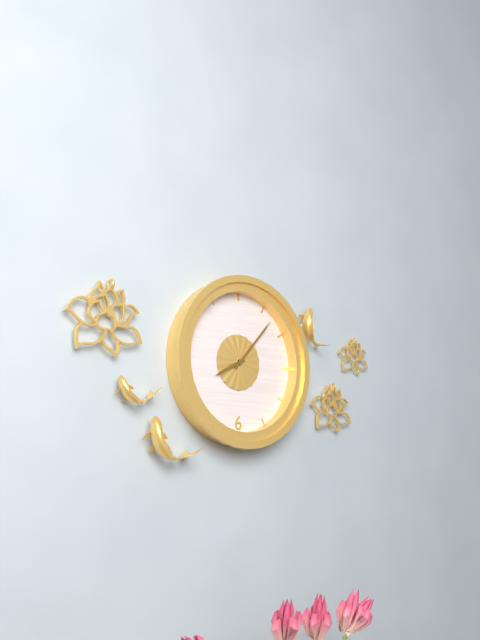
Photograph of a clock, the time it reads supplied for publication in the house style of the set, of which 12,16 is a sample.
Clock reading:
8,07
